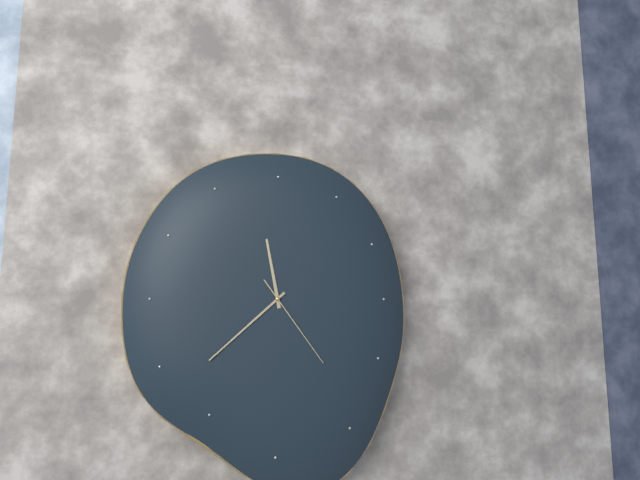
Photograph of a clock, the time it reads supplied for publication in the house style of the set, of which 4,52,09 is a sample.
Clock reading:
11,38,24
